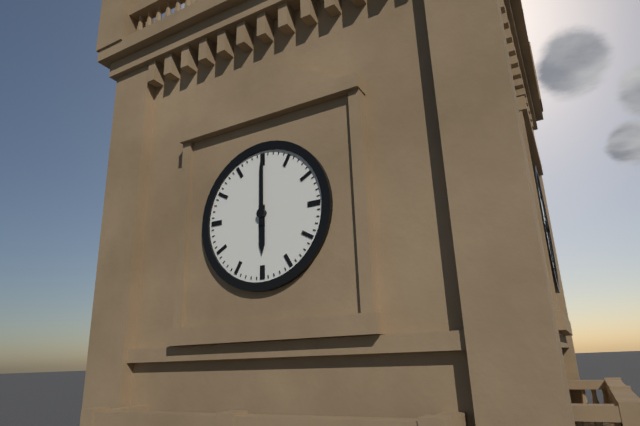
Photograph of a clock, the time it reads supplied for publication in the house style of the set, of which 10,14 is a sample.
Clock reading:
6,00
